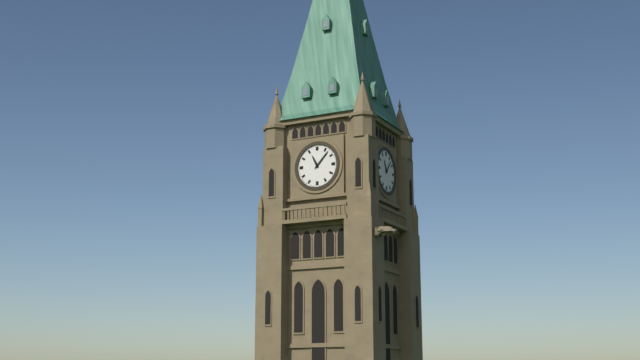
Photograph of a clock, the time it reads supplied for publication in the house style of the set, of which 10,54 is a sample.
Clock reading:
11,07
